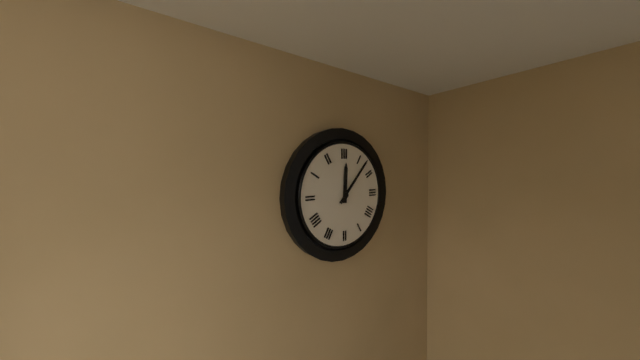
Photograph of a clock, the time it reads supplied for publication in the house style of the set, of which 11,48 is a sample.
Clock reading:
12,07
